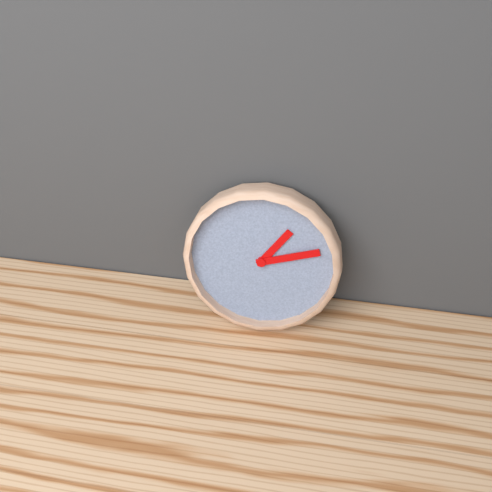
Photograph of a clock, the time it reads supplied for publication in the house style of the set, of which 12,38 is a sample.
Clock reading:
1,12
